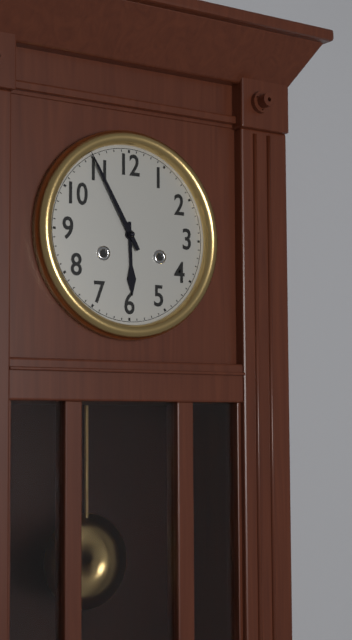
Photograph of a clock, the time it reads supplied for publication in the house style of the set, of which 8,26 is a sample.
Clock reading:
5,55
